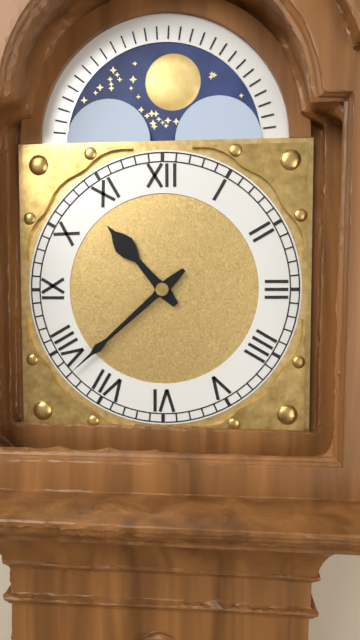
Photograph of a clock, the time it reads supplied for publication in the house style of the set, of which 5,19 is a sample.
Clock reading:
10,38
